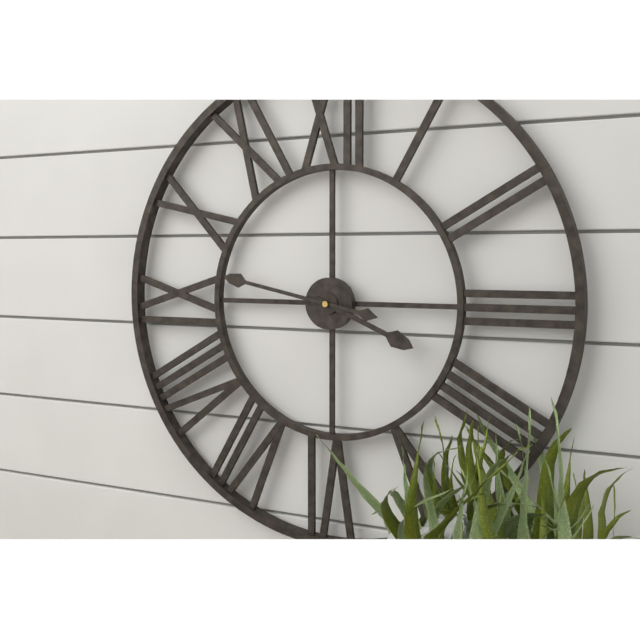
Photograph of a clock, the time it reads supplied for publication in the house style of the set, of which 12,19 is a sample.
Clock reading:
3,47
